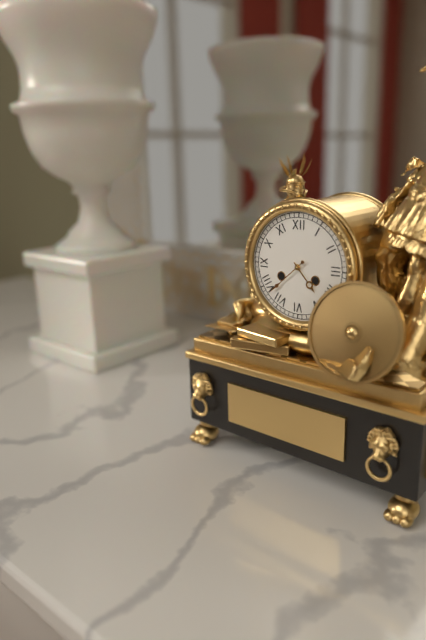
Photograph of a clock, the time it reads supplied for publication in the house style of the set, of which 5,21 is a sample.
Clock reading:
4,38
